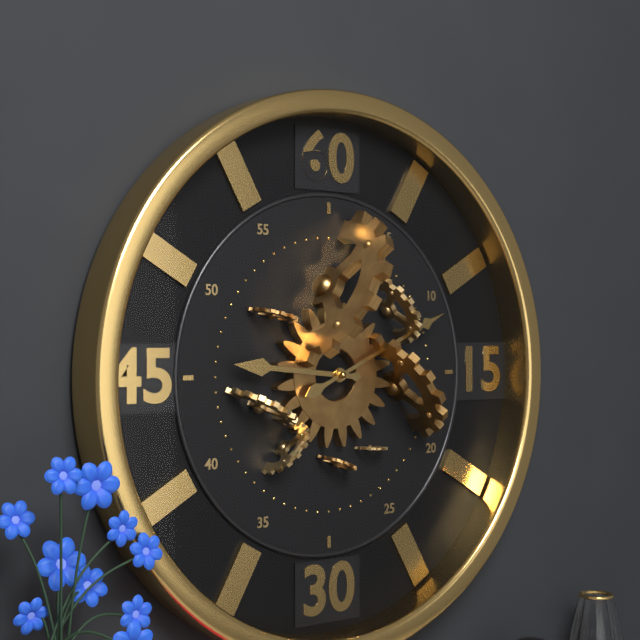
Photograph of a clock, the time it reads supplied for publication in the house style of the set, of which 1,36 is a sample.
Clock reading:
9,11
